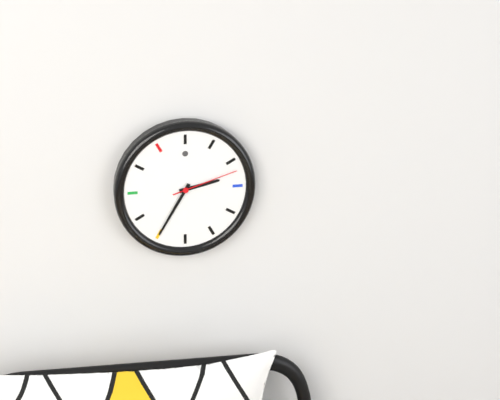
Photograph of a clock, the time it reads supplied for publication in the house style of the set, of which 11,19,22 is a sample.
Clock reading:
2,35,12
